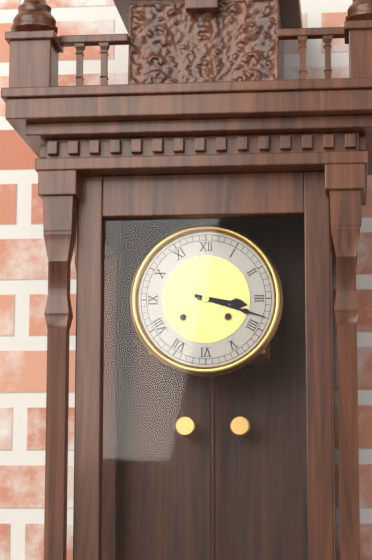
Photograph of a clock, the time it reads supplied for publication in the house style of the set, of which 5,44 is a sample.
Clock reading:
3,18
